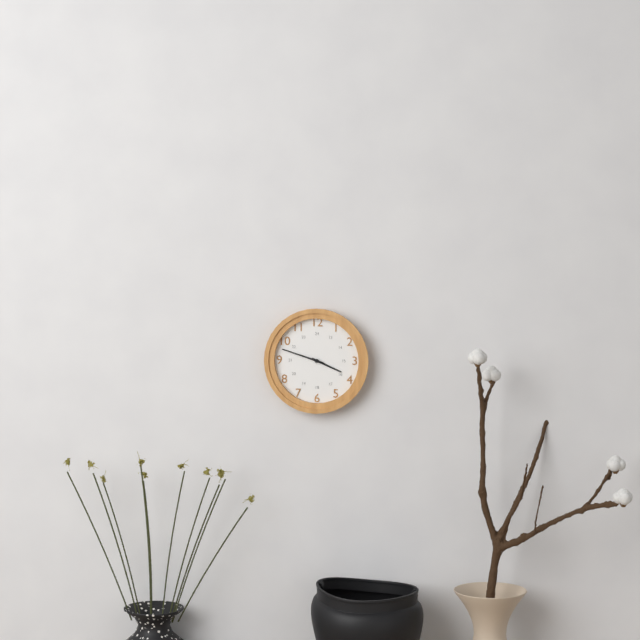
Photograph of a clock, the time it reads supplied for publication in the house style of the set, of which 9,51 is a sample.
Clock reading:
3,48
